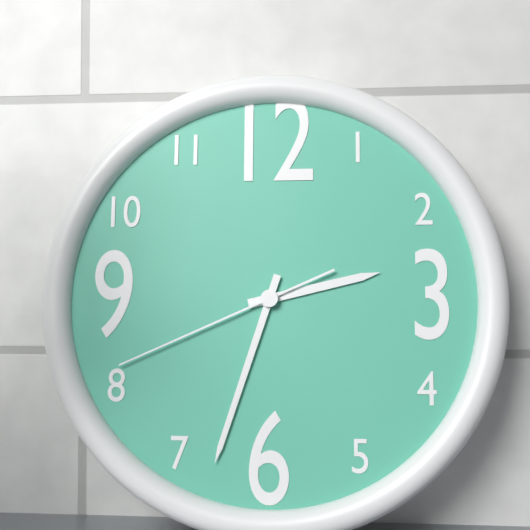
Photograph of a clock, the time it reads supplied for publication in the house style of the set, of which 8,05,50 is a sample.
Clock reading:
2,33,41
